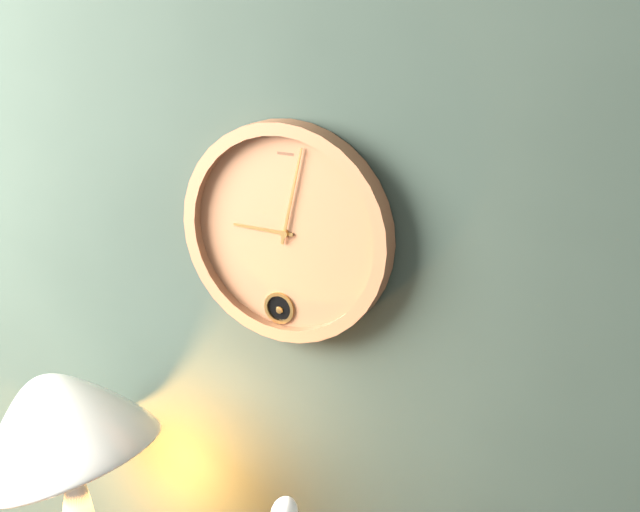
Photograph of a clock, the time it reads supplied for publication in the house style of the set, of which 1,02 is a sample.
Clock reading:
9,02
